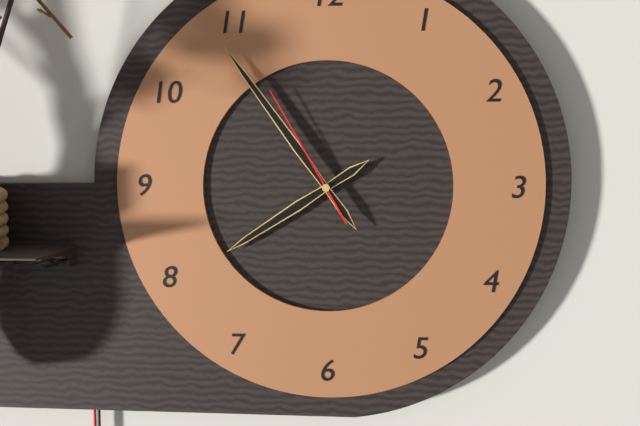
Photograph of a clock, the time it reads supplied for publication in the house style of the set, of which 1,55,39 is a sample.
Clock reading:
7,54,55
